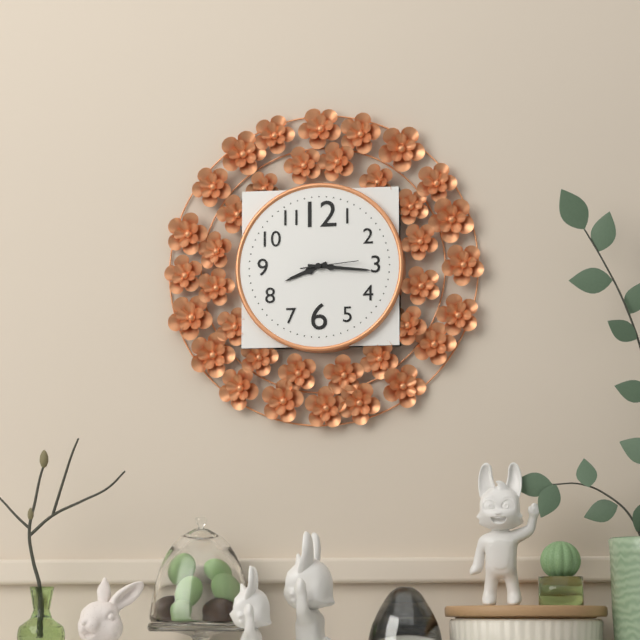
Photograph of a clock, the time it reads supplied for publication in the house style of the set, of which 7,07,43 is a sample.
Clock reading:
8,16,14
